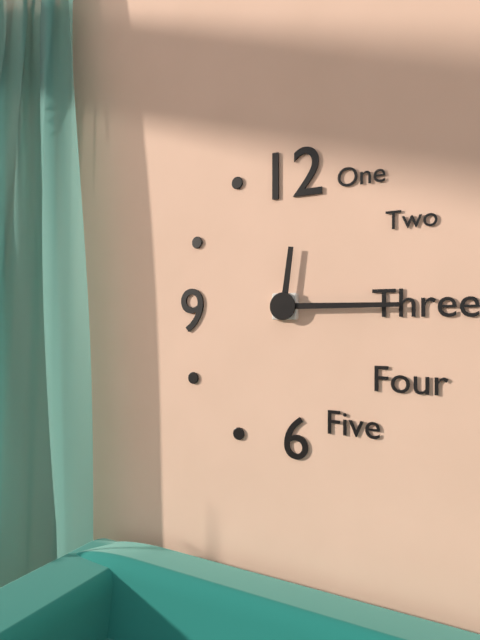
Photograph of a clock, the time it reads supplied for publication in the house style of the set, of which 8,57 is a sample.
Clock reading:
12,15
